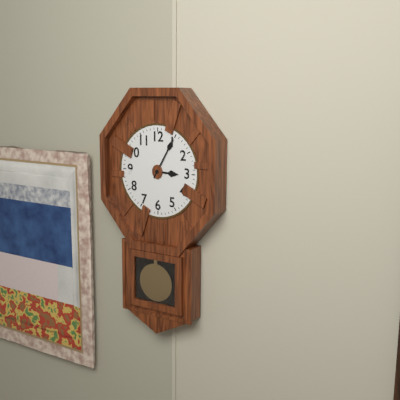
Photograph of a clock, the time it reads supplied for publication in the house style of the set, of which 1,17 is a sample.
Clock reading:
3,05
